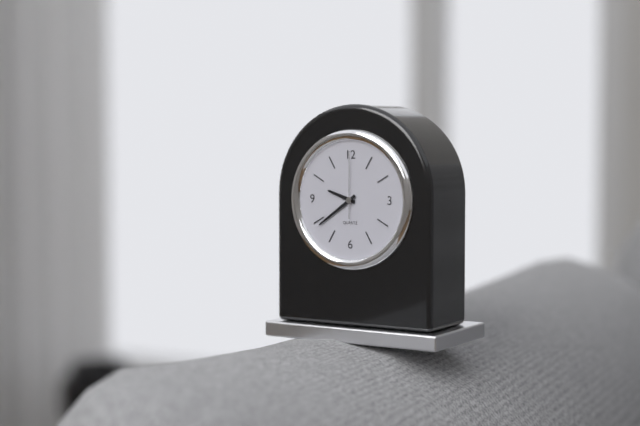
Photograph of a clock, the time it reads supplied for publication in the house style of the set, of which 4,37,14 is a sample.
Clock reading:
9,39,00
